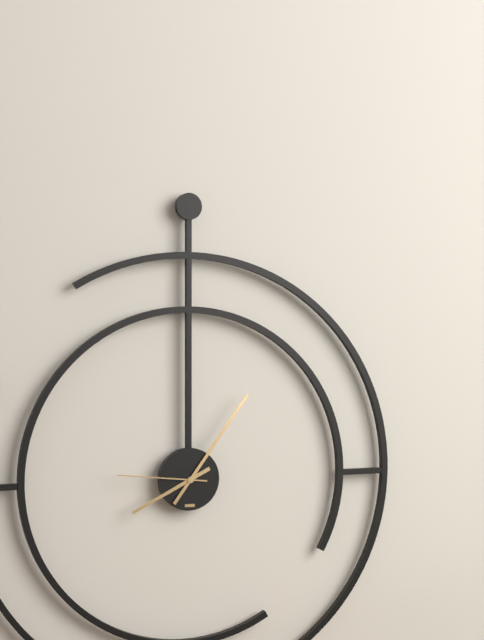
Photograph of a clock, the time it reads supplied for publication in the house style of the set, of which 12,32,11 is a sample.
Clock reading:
8,06,46
